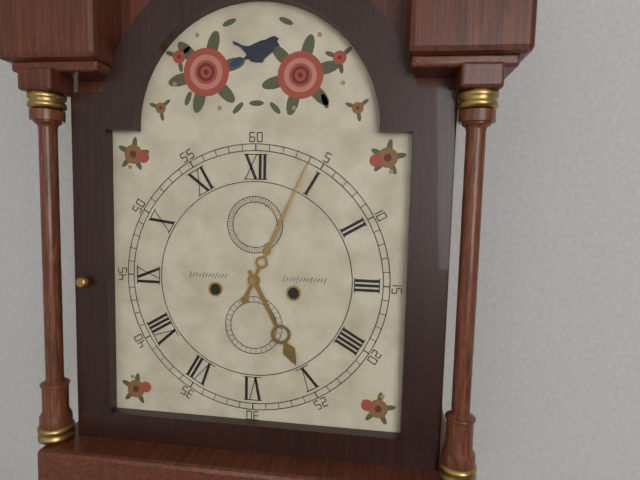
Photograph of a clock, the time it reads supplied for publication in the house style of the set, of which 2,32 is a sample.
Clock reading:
5,04
